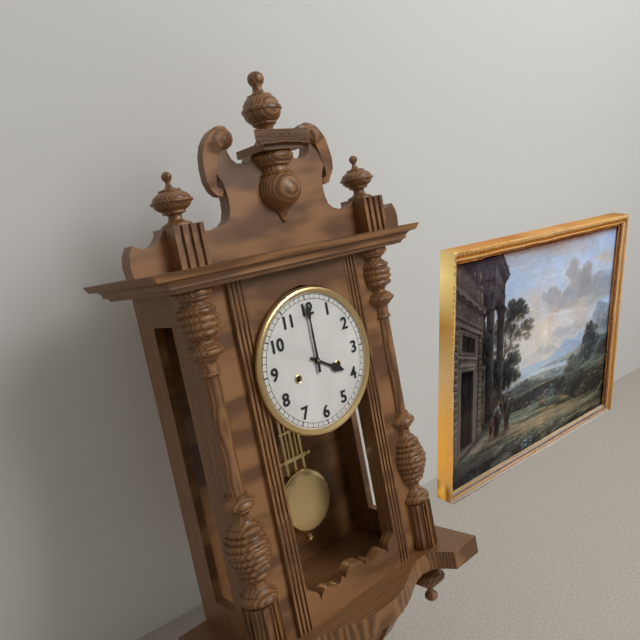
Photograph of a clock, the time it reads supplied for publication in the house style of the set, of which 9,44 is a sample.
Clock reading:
4,00
